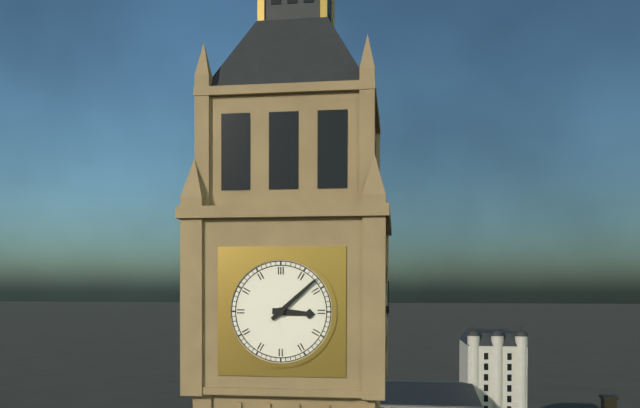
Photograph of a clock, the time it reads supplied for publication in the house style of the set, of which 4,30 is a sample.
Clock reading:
3,08
